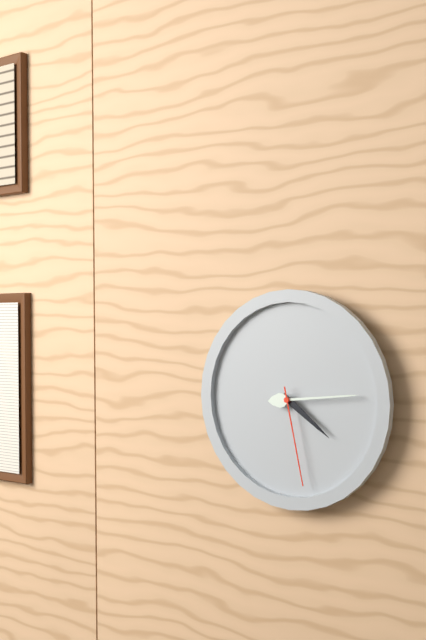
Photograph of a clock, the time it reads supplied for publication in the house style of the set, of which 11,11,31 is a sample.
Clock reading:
4,14,28
